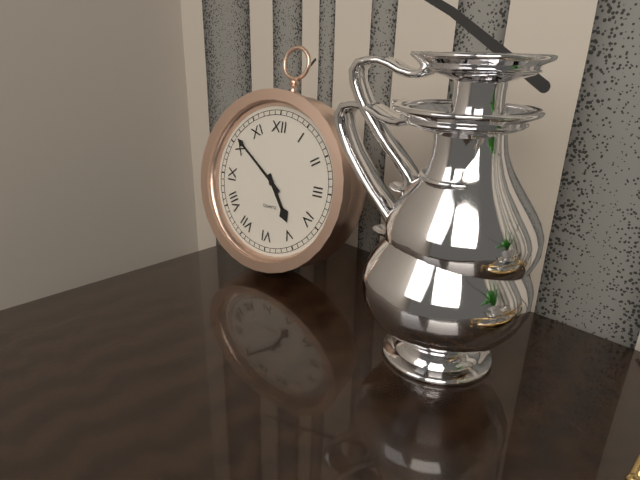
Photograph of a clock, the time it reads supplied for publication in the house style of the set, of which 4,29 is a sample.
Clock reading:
4,51
